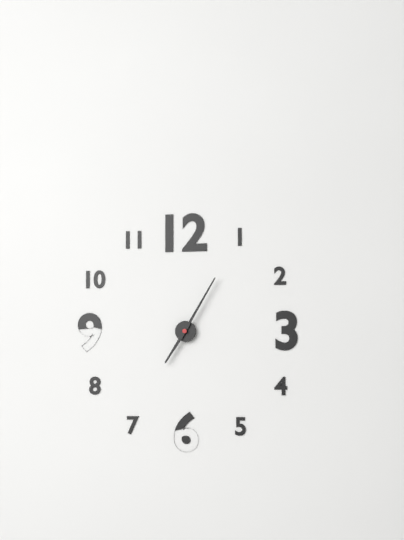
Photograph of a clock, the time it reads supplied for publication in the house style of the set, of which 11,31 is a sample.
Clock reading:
7,05
